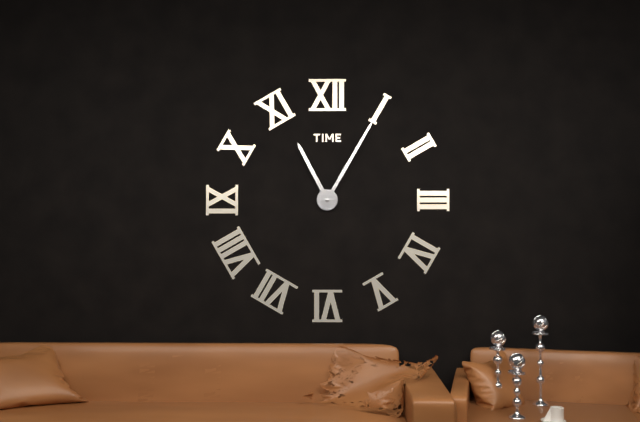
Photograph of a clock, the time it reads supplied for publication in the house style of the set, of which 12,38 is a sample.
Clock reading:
11,05
